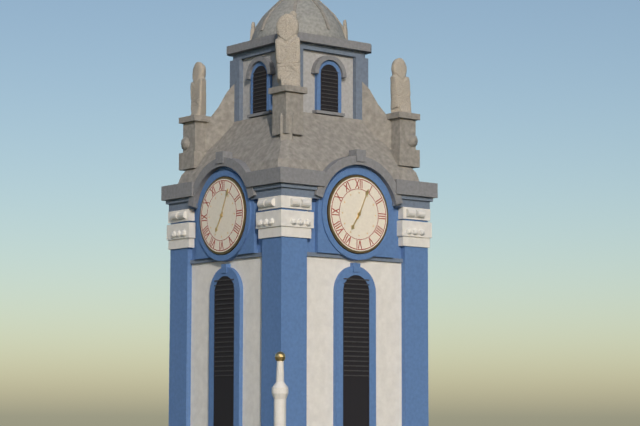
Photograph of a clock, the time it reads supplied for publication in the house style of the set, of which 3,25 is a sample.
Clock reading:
7,04
